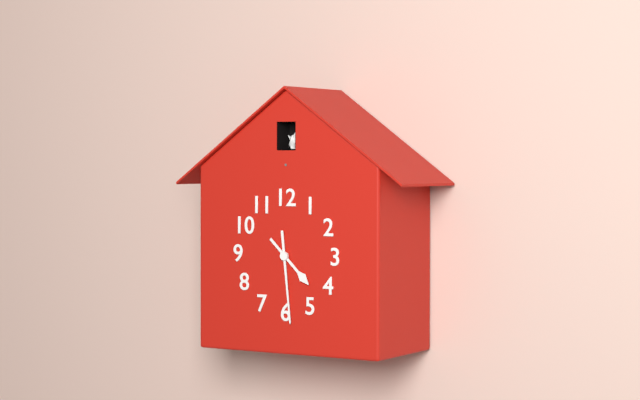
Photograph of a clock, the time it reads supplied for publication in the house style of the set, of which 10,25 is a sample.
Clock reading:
4,29
